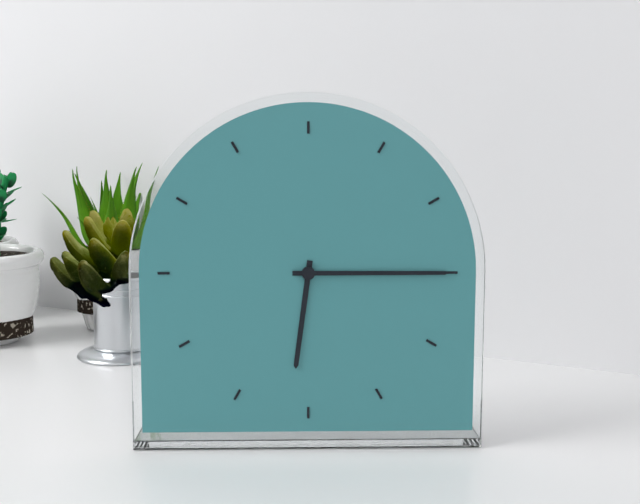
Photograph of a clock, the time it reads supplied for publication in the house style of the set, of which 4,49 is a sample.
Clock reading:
6,15
